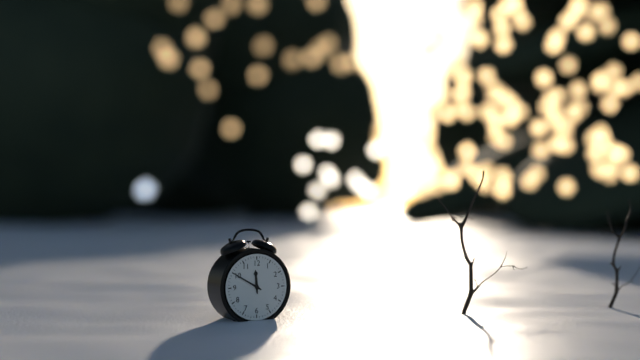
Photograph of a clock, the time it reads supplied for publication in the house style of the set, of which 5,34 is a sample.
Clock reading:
11,50
